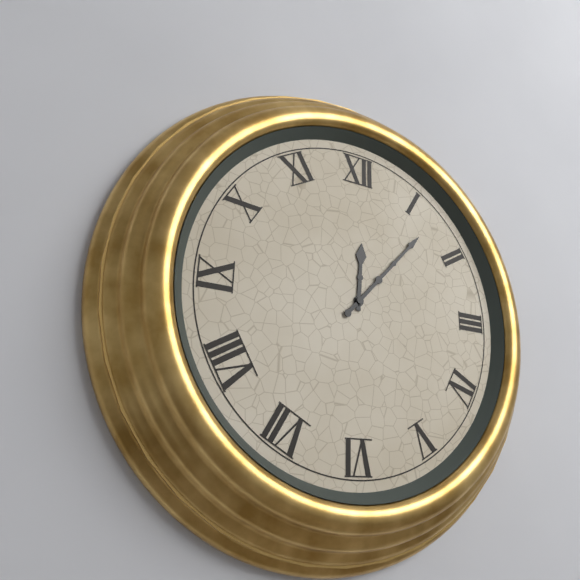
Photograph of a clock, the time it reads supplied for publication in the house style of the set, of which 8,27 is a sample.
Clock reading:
12,07
